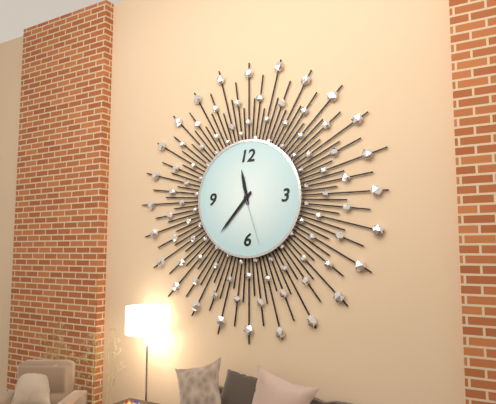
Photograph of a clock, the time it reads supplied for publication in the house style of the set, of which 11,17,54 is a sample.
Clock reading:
11,37,27
